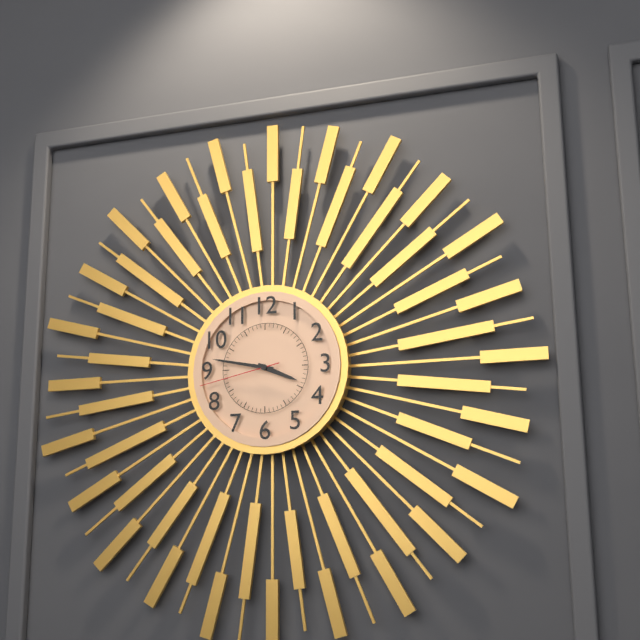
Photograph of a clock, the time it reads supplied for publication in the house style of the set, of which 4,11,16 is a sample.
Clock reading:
3,47,43
